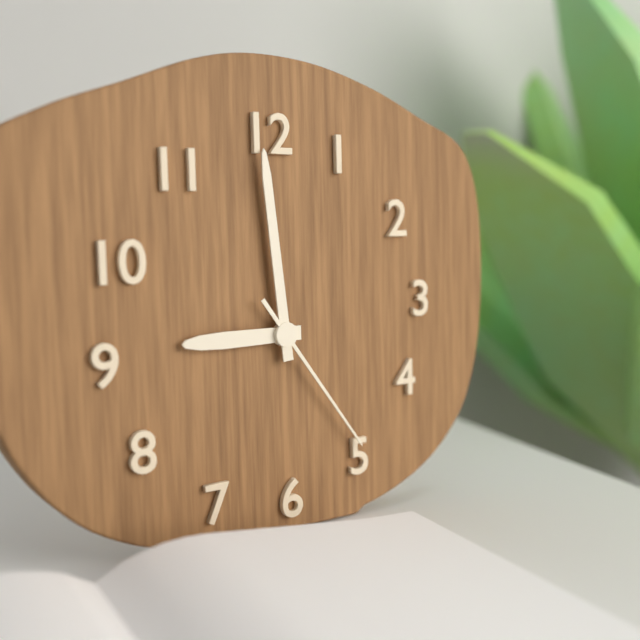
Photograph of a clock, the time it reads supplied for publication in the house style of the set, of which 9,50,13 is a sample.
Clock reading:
8,59,24
